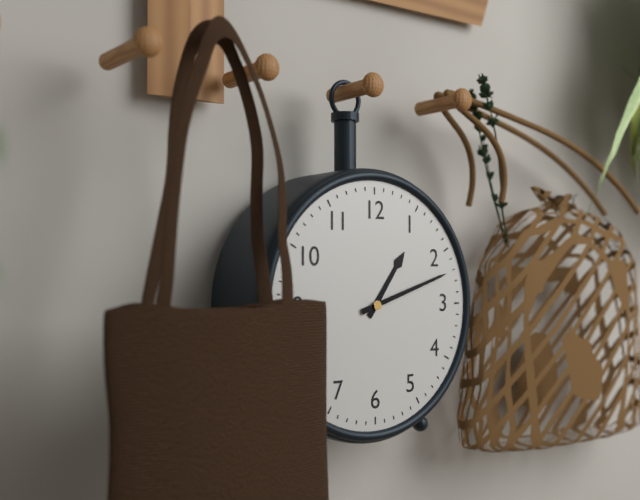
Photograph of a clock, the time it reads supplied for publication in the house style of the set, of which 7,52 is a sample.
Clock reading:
1,12
